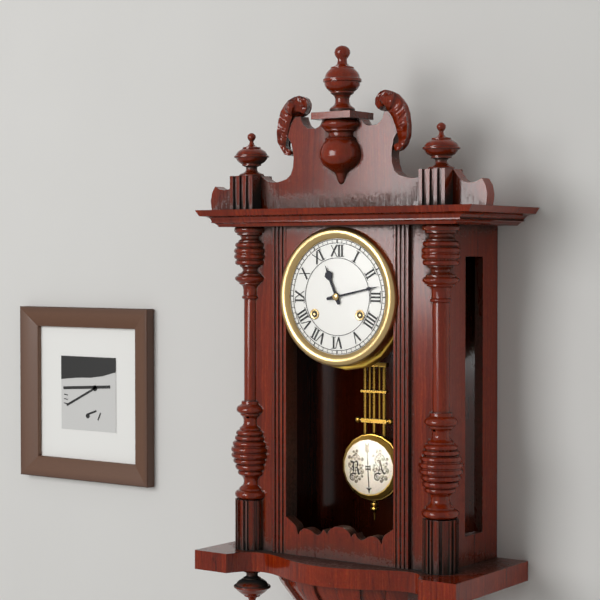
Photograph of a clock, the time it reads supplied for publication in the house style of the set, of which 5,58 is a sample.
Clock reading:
11,13
